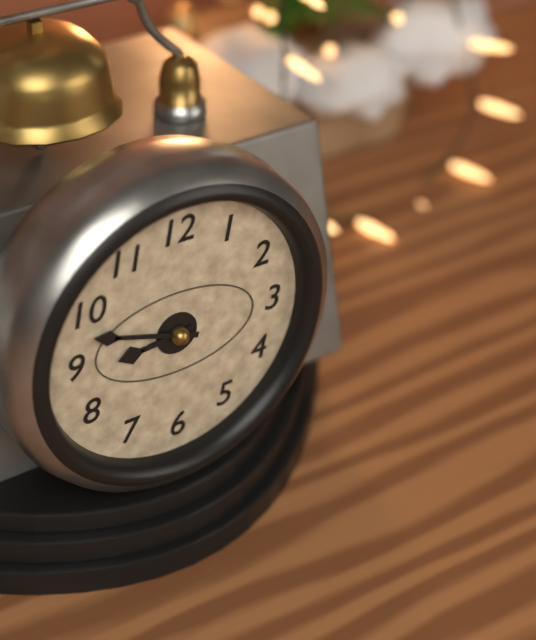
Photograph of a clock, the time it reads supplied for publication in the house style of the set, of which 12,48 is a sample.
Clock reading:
8,48
